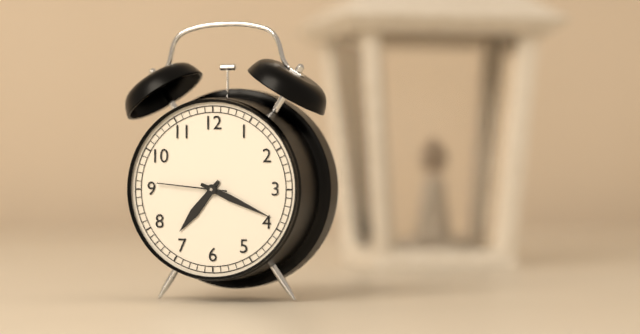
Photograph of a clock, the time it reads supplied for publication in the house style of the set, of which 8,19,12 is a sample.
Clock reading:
7,19,46
